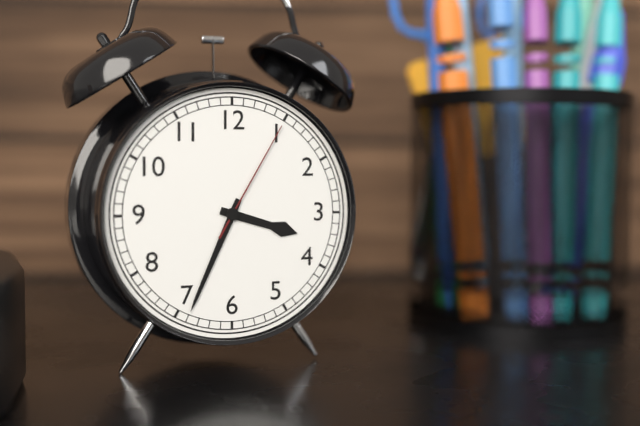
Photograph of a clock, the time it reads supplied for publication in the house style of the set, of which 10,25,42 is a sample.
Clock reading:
3,34,05
